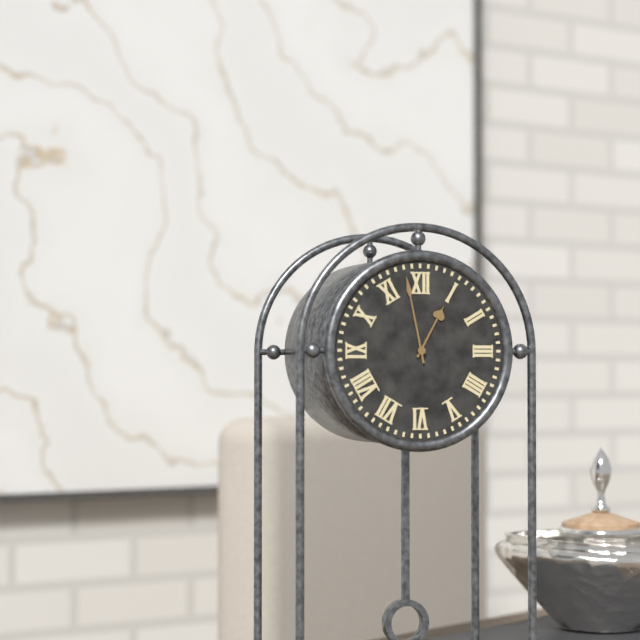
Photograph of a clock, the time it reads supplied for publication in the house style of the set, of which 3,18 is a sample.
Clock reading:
12,58
